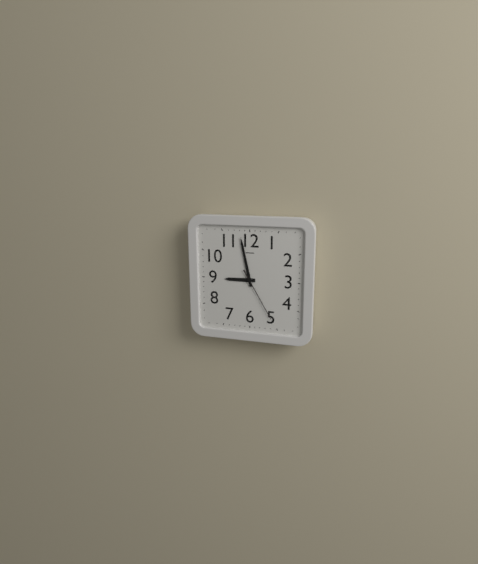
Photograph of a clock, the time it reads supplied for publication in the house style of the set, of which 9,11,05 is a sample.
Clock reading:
8,58,25
